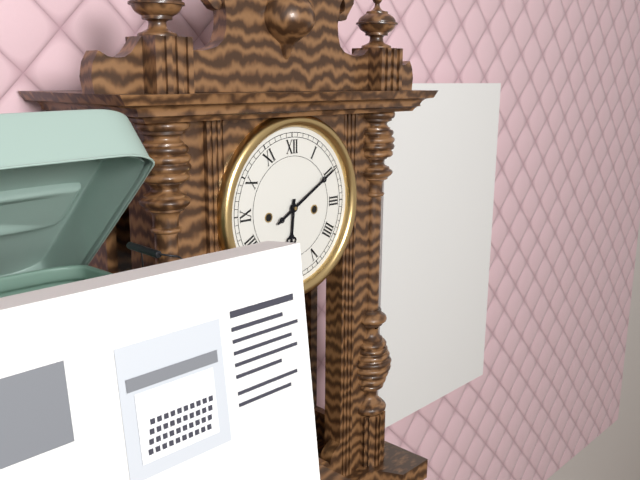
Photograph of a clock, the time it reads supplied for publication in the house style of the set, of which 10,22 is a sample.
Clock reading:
6,10
